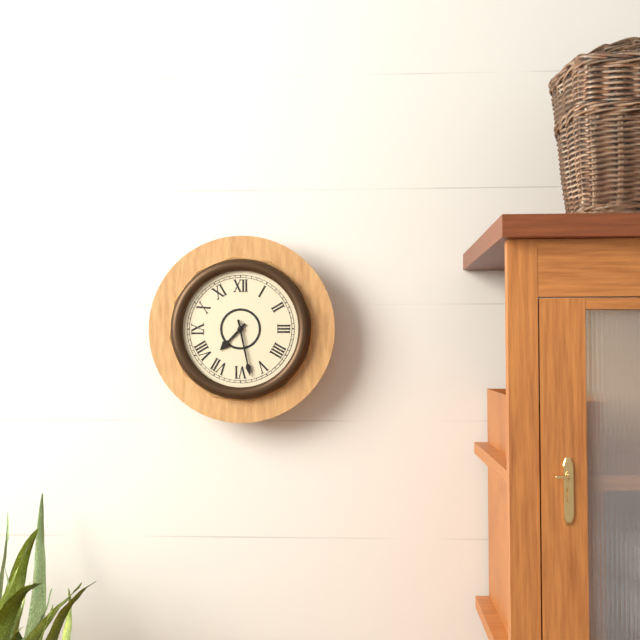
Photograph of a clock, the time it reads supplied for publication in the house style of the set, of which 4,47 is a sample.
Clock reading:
7,28
